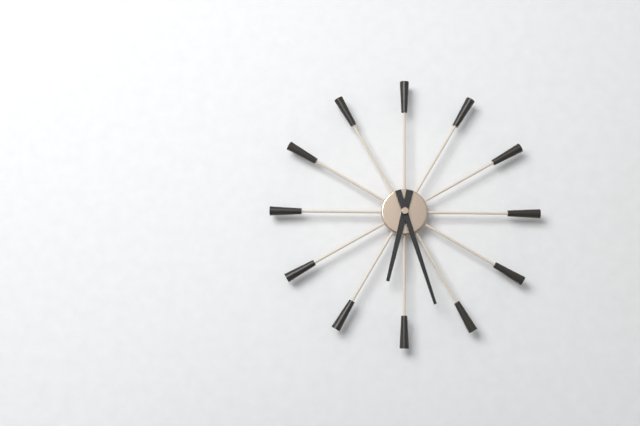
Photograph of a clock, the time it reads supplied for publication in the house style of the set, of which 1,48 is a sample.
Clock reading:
6,27
